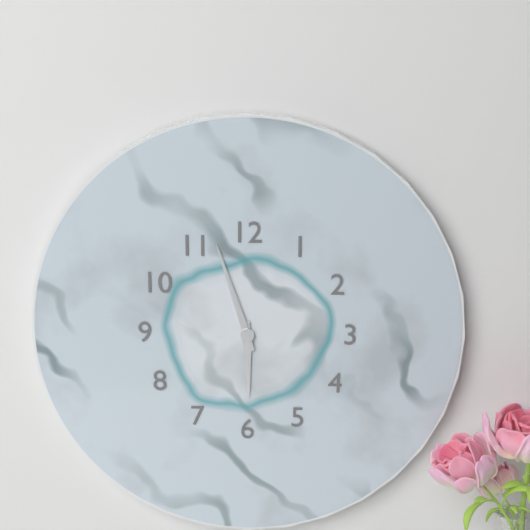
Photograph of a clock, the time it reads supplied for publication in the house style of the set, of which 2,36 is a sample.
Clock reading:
5,57
